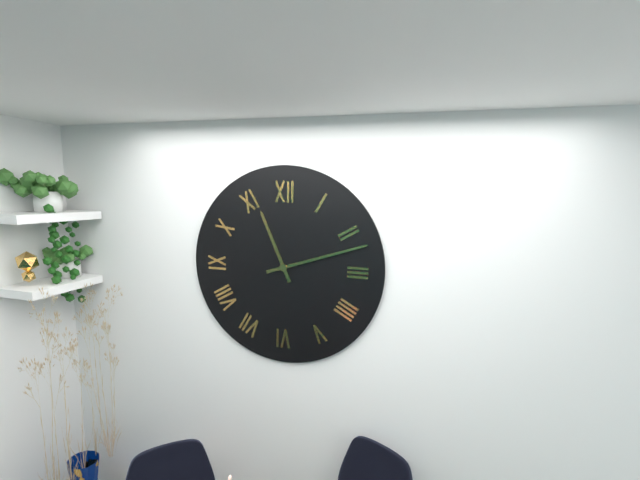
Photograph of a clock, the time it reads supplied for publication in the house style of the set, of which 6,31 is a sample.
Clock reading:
11,12
